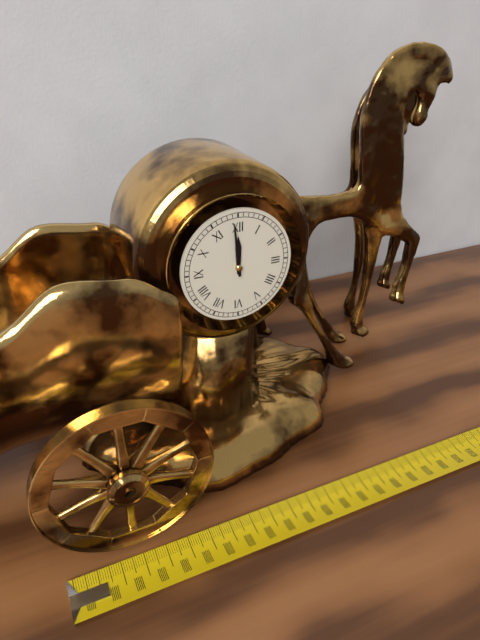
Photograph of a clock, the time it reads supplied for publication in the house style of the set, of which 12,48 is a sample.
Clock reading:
11,59
